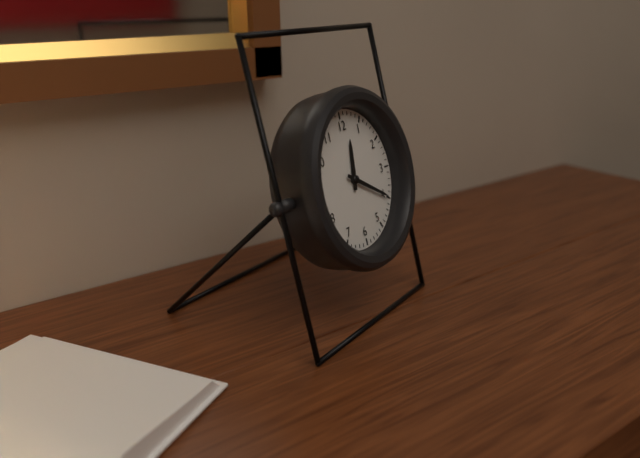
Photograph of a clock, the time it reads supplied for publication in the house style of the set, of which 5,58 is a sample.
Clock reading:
12,20
